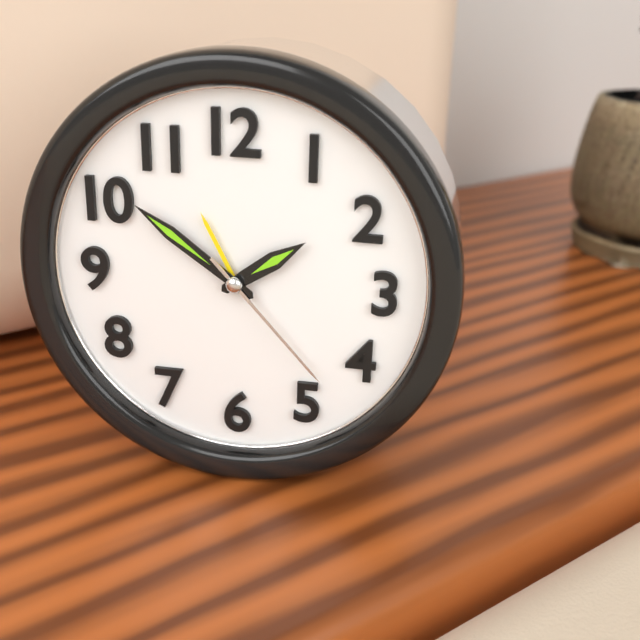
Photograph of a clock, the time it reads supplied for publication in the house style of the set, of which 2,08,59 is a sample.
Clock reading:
1,51,23
